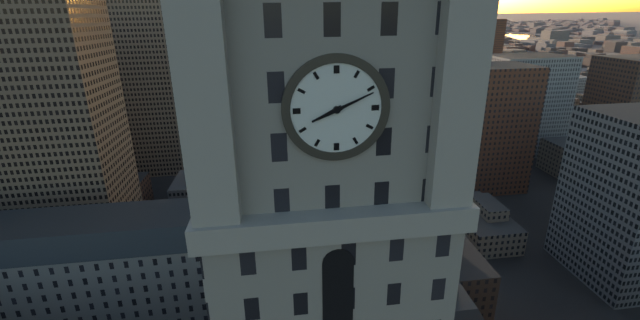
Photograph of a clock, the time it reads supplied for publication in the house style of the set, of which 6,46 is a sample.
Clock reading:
8,11
